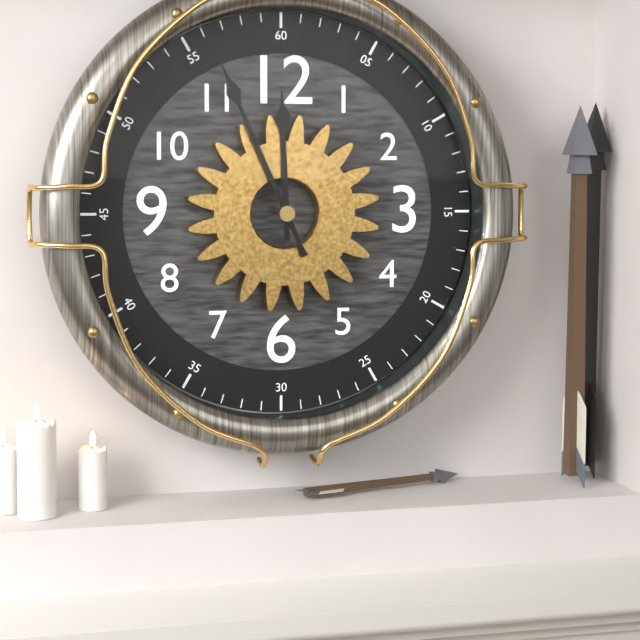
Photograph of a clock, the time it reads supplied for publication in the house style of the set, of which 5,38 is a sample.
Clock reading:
11,56
